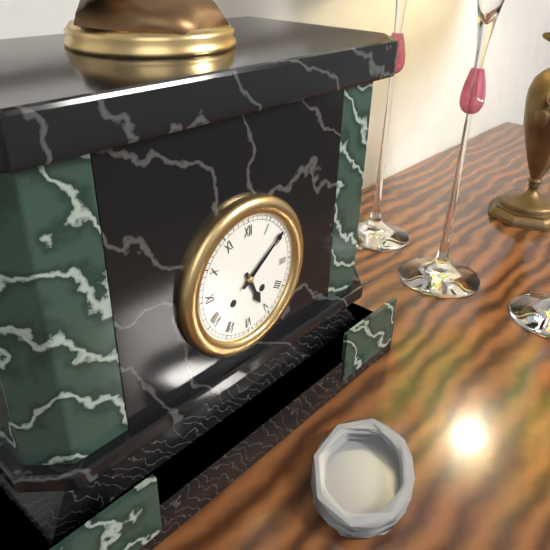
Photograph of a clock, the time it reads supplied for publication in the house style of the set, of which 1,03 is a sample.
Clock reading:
5,09
